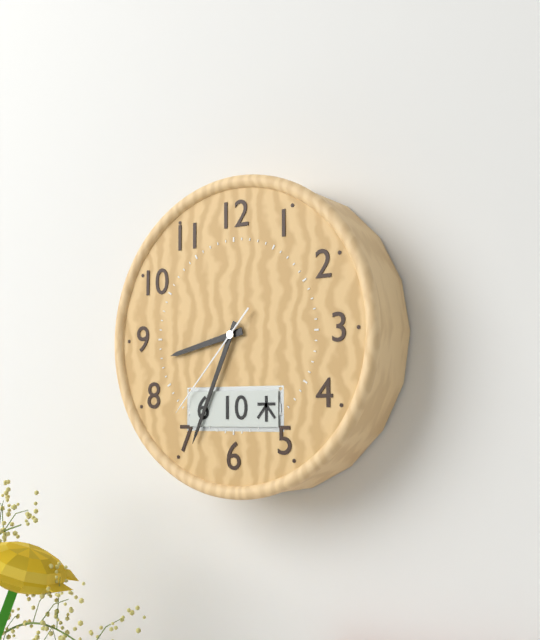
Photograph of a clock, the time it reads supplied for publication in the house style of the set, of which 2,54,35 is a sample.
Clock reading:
8,34,37
